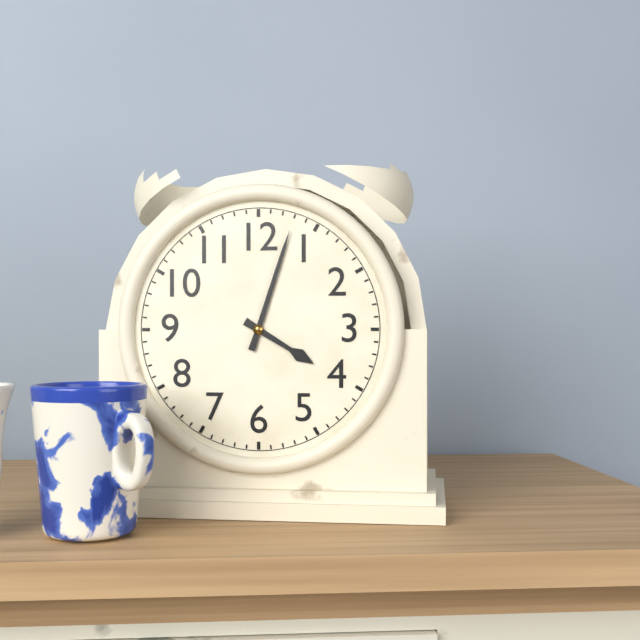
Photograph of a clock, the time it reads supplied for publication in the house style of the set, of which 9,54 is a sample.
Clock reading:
4,03
